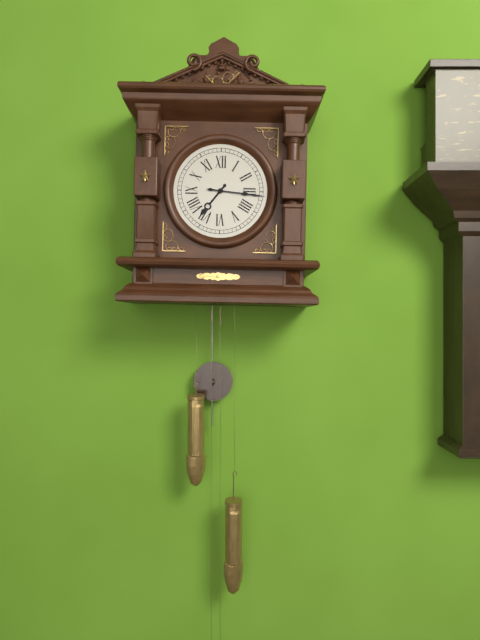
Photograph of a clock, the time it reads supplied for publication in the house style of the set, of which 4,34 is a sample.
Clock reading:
7,16
